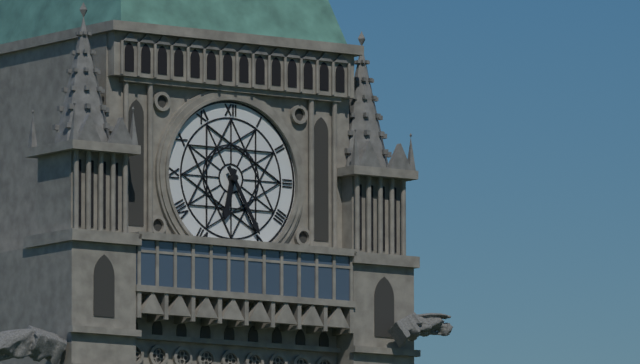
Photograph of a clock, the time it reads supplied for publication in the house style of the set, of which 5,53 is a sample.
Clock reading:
6,25
